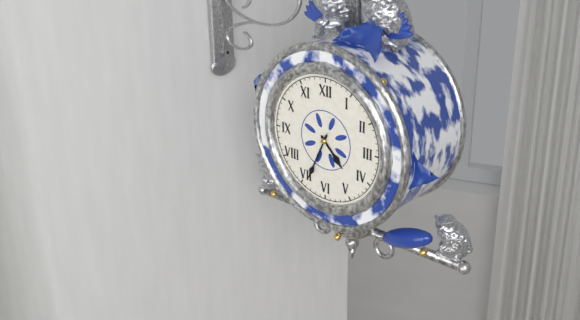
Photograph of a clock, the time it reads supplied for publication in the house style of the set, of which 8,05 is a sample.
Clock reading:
4,34
